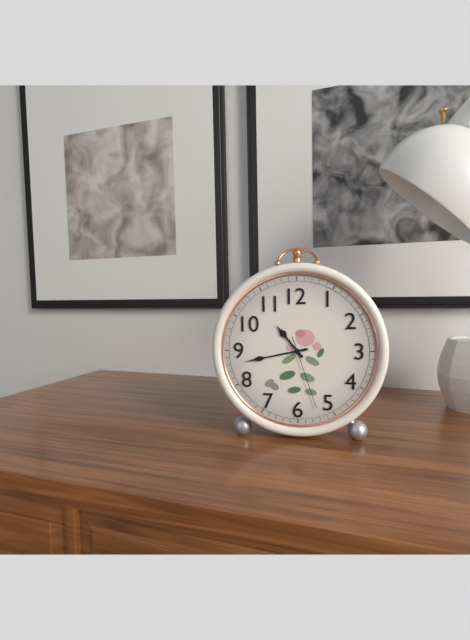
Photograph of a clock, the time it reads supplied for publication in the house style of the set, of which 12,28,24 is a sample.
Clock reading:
10,43,27
